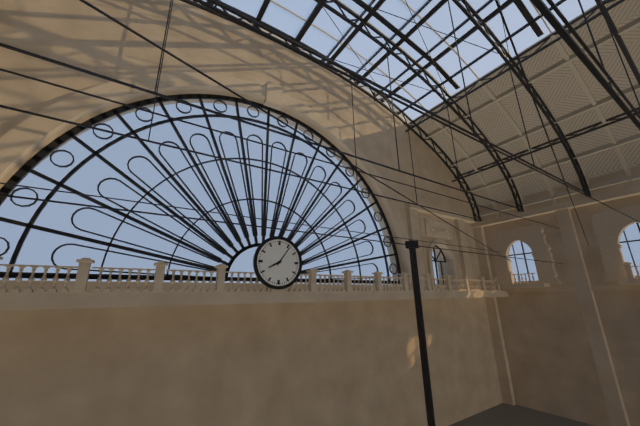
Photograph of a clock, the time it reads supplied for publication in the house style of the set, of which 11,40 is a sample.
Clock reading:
8,06
